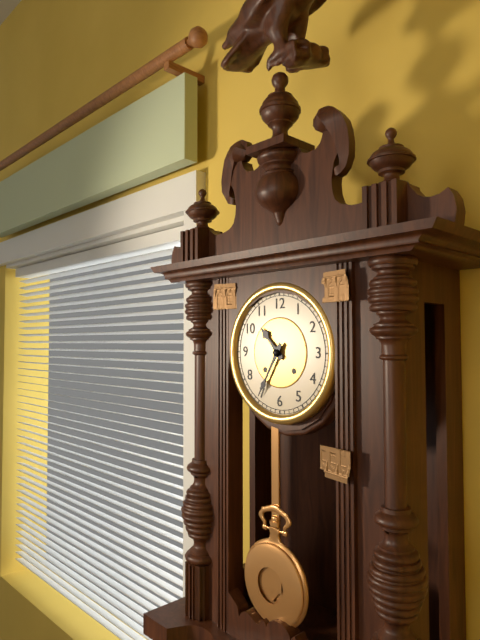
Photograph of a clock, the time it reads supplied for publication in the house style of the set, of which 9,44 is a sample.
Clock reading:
10,35
